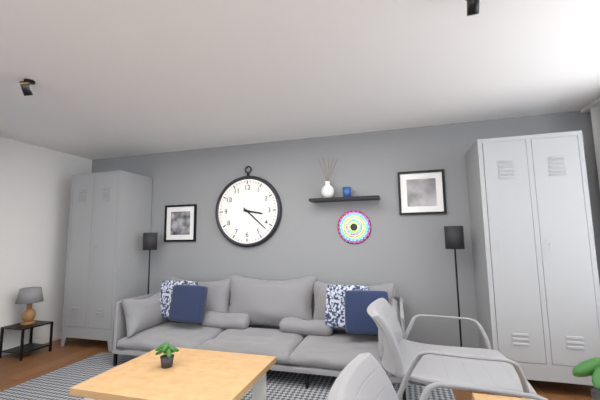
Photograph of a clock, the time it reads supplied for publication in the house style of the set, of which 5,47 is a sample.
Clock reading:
3,22
